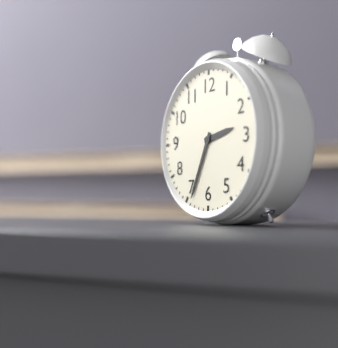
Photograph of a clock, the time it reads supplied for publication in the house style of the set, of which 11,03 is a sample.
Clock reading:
2,34
